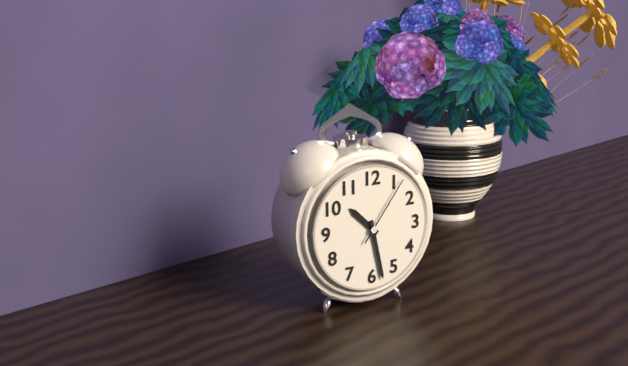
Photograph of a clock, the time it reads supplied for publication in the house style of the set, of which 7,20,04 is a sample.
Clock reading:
10,28,06
